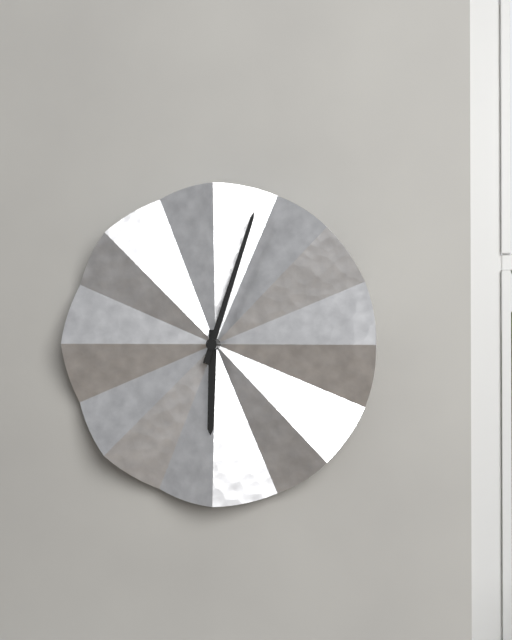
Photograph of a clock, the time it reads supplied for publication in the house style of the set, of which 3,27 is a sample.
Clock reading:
6,03
